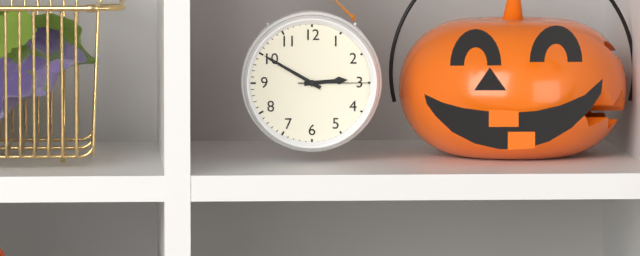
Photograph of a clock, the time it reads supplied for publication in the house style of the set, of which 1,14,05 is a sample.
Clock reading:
2,50,15
